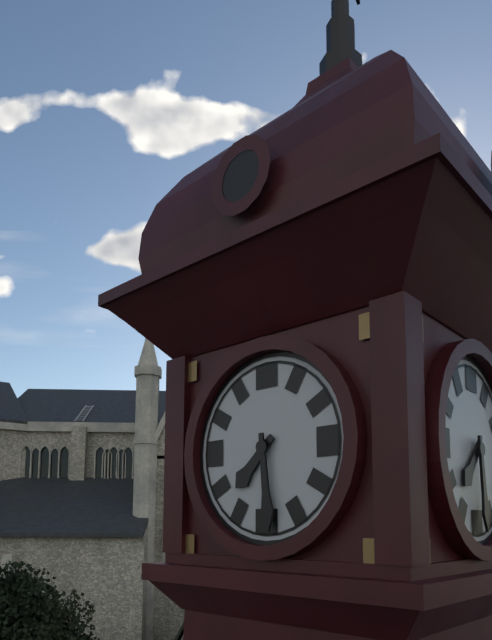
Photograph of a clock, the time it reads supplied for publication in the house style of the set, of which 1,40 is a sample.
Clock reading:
7,29
